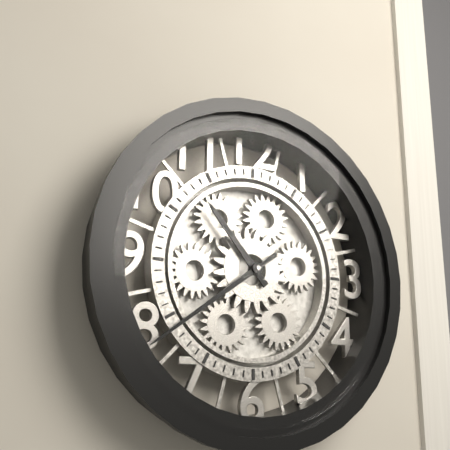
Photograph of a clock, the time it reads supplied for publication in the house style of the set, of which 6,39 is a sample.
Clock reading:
10,39
